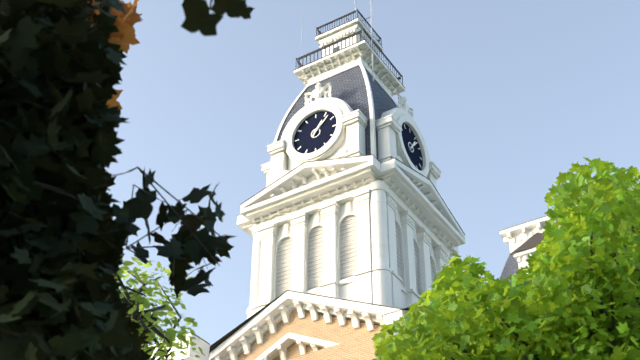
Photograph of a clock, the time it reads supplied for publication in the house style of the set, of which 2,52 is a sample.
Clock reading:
1,07
